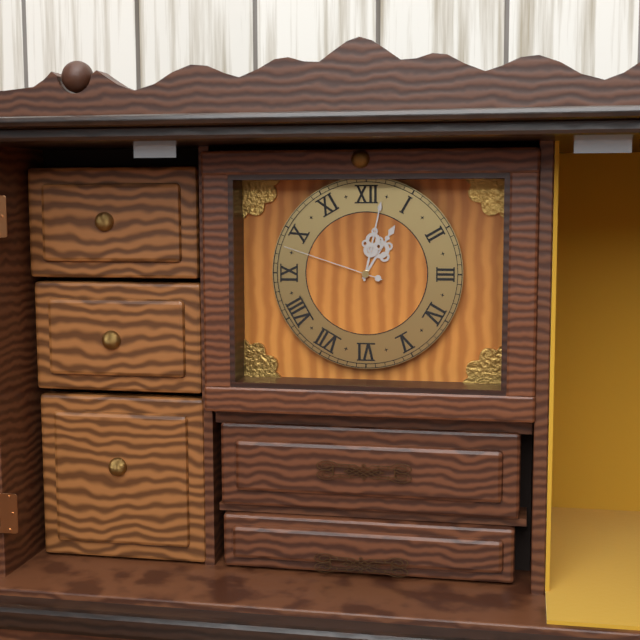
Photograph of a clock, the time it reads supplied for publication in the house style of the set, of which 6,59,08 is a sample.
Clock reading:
1,02,48
